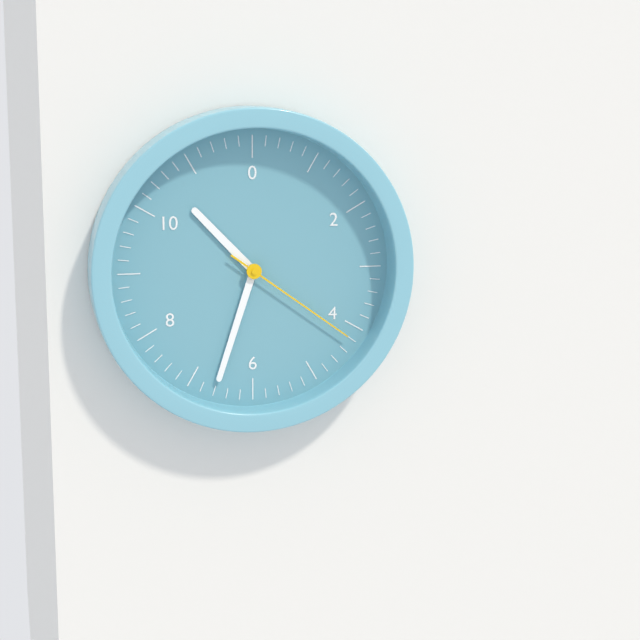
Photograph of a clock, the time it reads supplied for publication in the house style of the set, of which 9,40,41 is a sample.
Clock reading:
10,33,21
